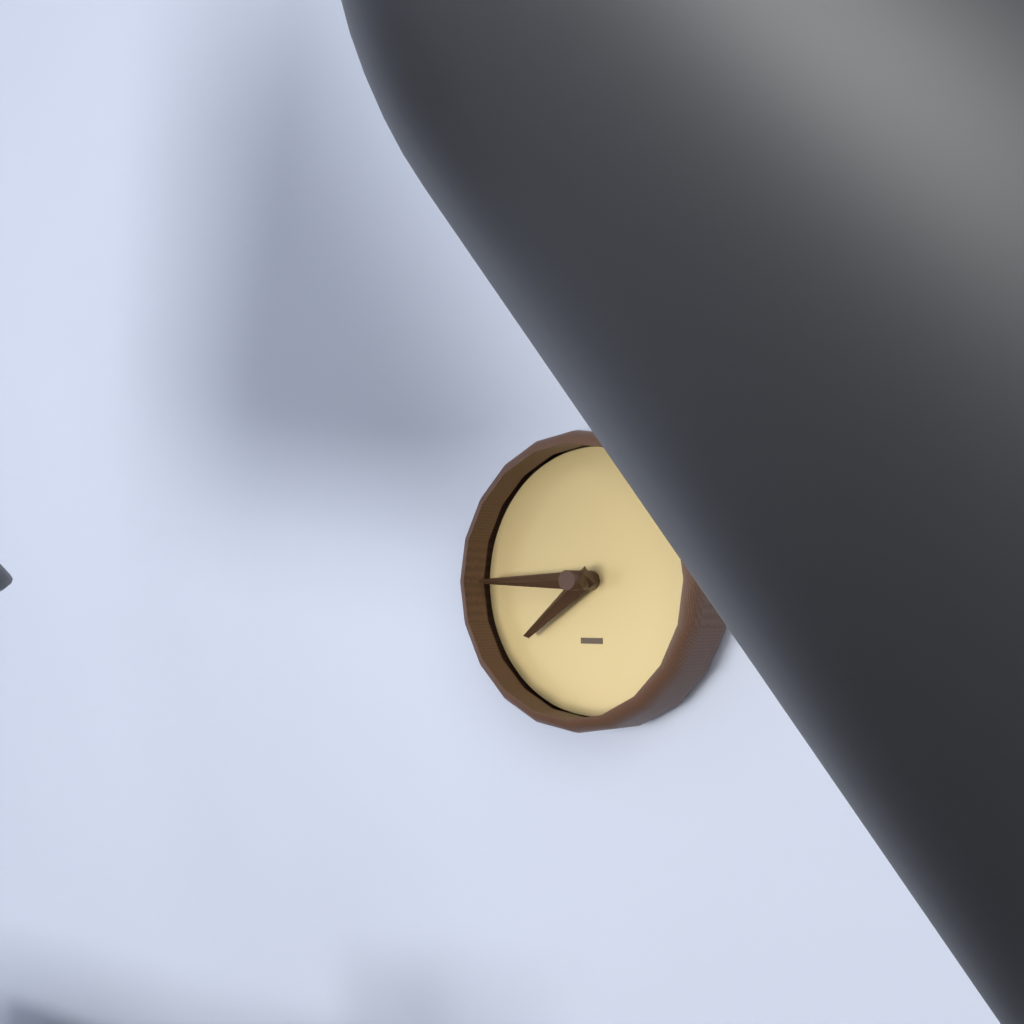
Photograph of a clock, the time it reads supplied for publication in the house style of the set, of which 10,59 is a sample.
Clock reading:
7,45
